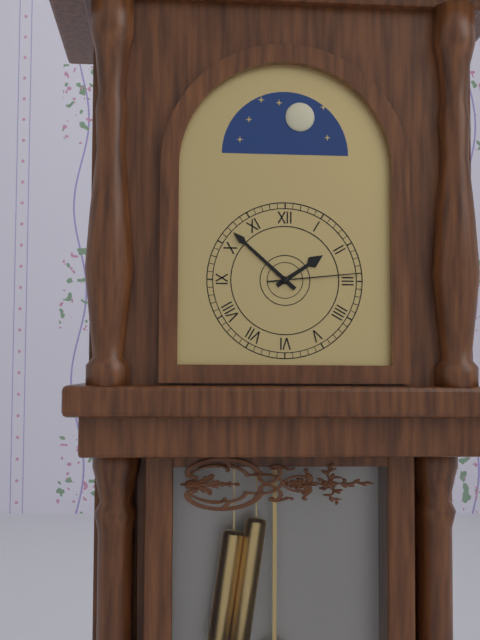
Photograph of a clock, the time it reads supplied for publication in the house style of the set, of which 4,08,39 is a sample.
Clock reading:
1,52,14
